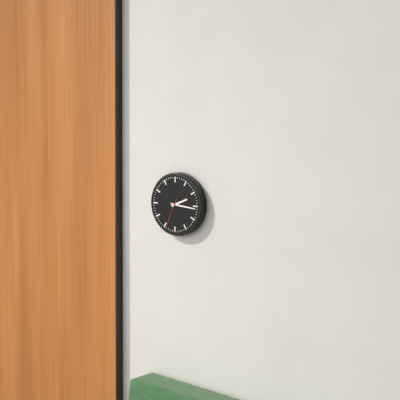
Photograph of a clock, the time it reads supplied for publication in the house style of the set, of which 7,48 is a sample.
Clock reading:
2,16
